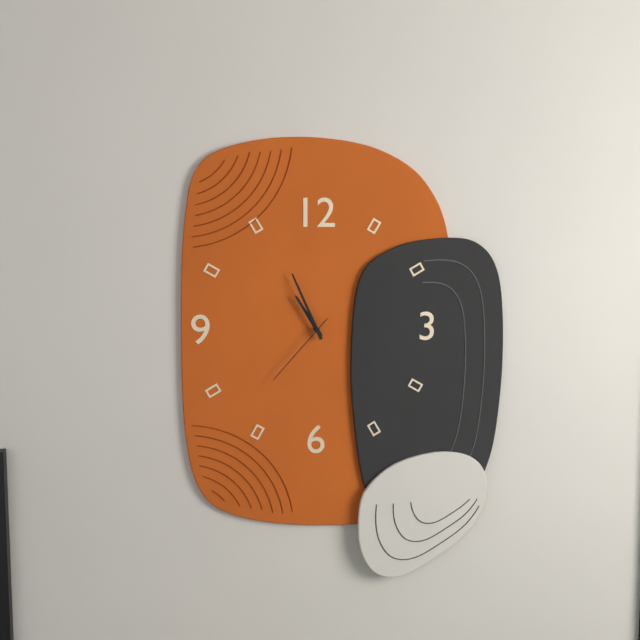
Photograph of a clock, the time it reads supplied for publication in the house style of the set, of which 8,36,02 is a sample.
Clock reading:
10,56,37
